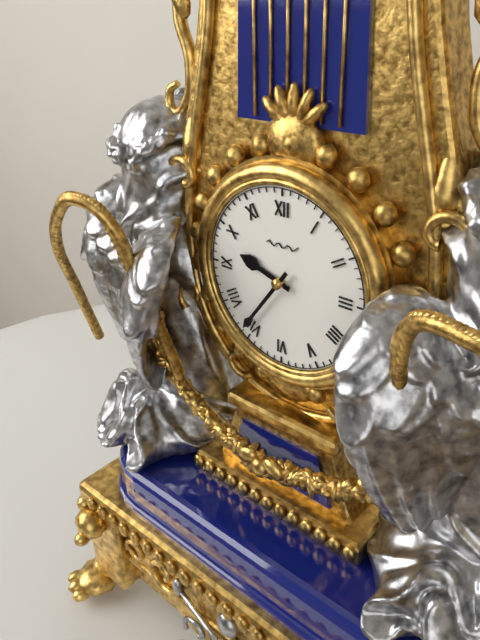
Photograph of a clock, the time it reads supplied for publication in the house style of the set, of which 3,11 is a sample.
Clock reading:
9,36
